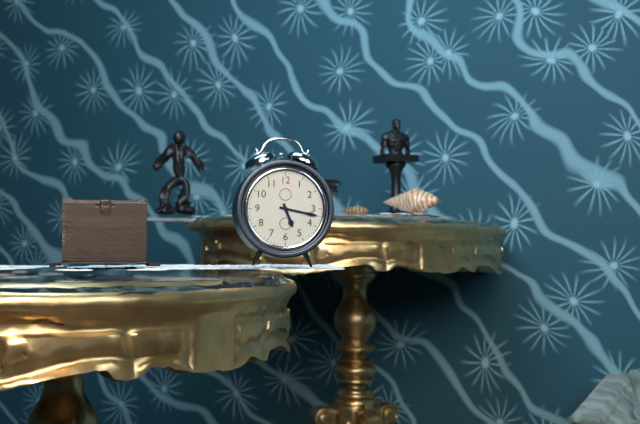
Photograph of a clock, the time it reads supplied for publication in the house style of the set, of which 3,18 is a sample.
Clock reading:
5,17
